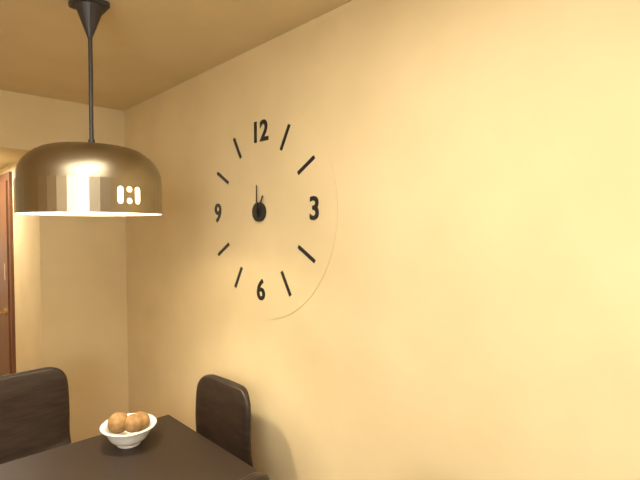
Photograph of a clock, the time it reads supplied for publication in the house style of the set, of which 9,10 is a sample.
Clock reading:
1,00
